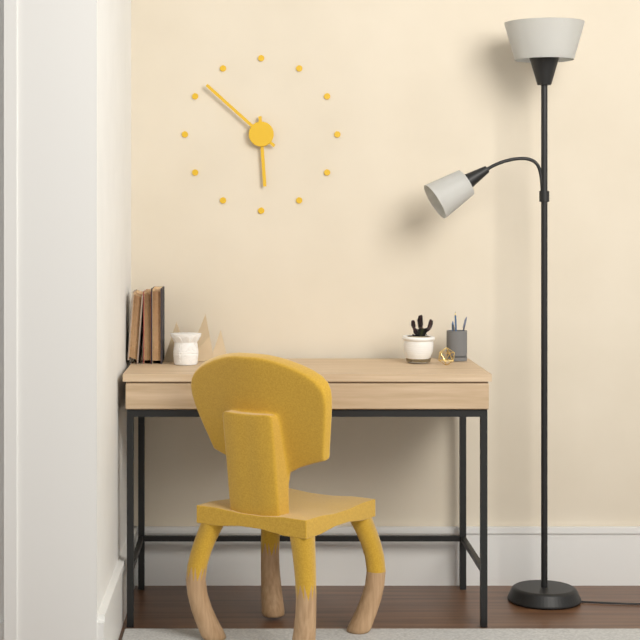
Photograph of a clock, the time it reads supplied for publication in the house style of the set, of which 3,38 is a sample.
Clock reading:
5,52
